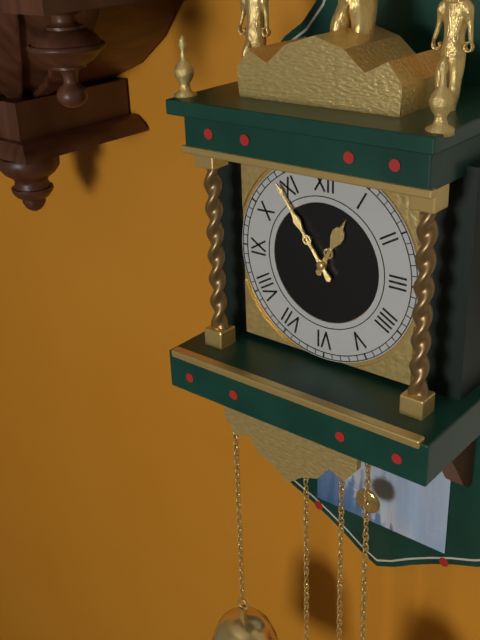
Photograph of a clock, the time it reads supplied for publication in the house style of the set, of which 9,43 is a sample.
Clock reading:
12,54
